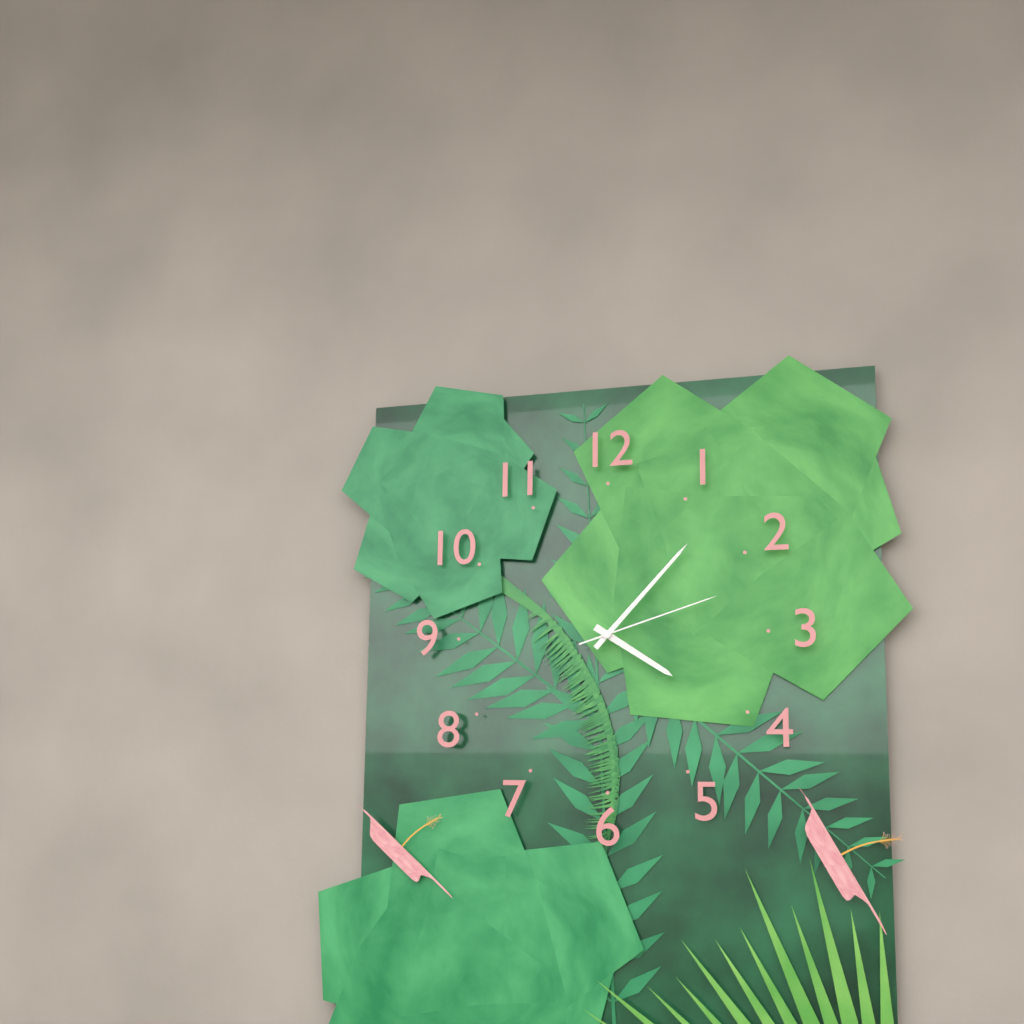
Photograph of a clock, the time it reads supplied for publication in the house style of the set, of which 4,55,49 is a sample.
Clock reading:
4,07,12
